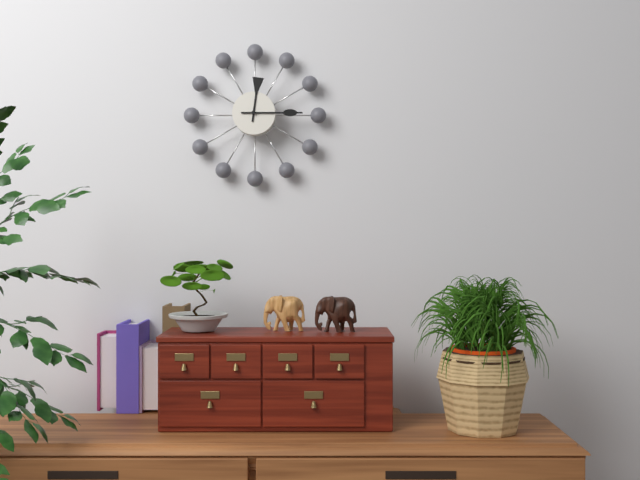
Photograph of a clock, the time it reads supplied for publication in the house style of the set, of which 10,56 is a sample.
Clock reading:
12,15
